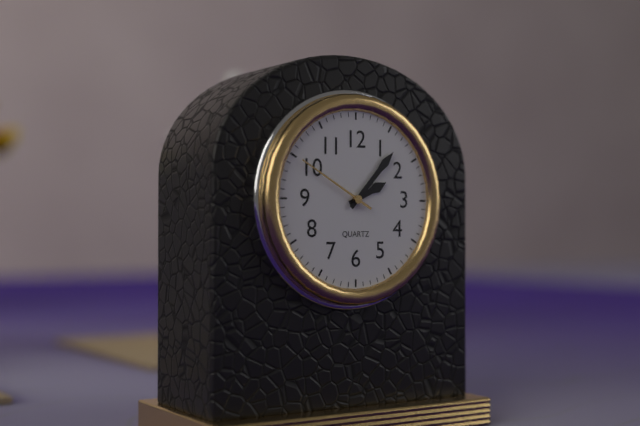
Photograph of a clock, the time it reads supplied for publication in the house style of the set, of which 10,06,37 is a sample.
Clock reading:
2,07,50
